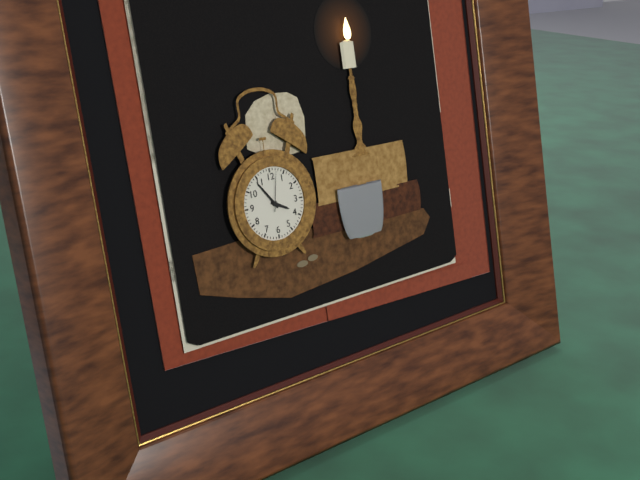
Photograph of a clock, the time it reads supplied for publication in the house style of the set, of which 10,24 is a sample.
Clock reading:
3,54
